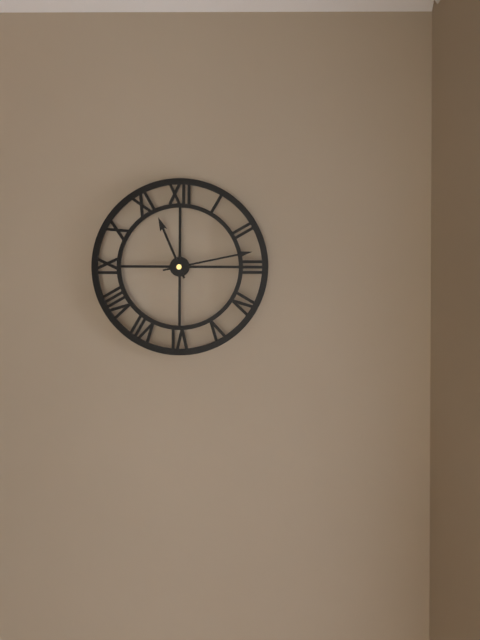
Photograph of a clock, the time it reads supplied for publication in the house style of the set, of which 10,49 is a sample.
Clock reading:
11,13
